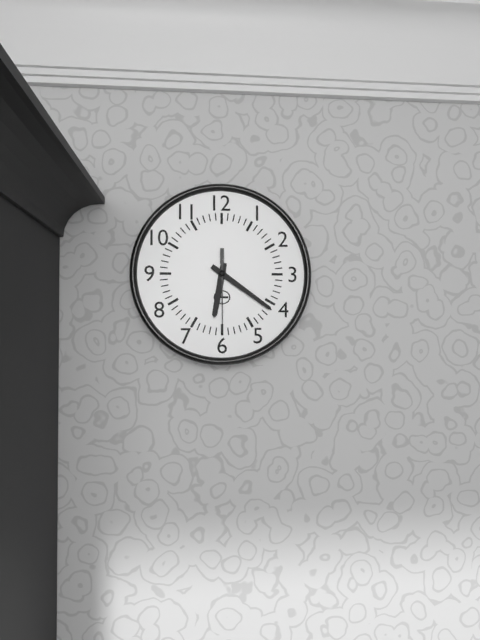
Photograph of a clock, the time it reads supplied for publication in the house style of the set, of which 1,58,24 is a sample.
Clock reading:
6,21,30
